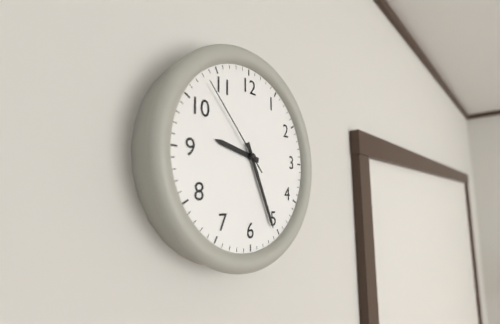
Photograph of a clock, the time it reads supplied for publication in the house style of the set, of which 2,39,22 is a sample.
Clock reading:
9,26,53
